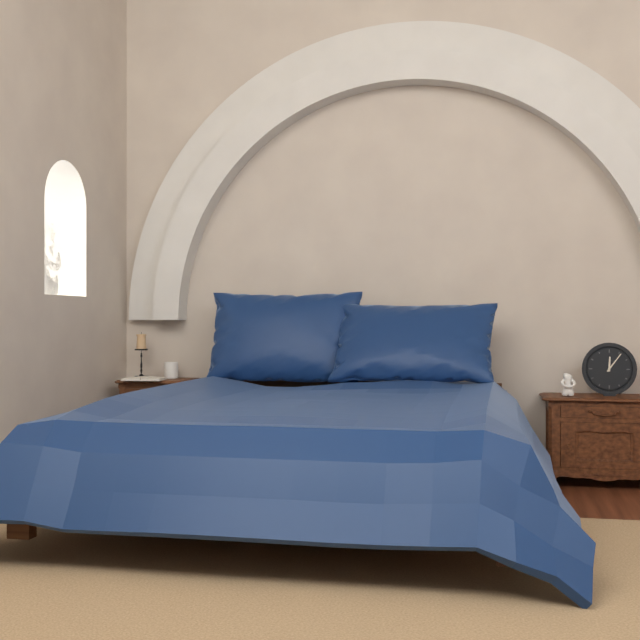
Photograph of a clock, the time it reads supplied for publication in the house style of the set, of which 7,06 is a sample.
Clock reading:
12,06
